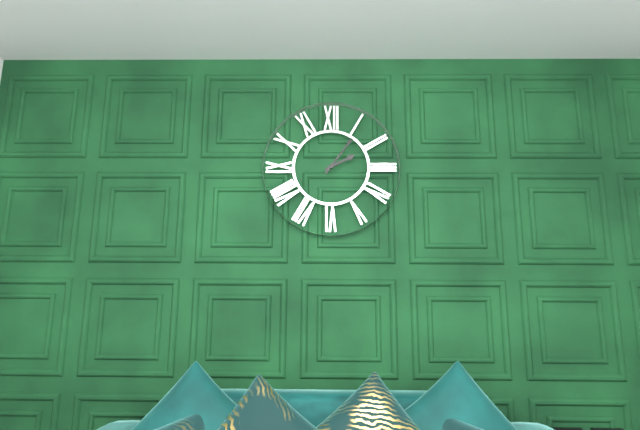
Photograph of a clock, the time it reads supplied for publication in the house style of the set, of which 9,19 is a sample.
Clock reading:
2,06
